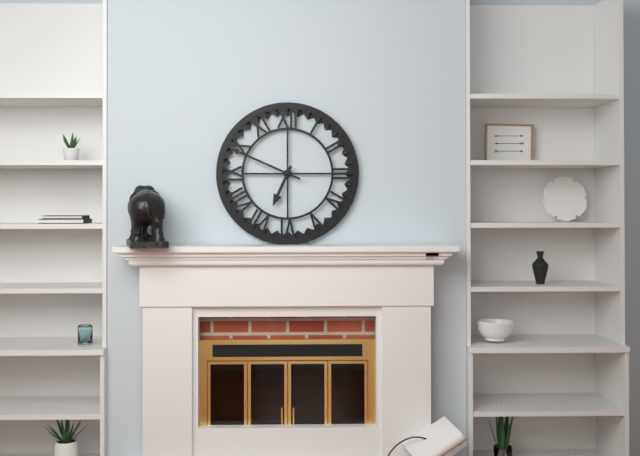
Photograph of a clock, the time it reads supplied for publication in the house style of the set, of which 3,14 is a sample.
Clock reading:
6,49
